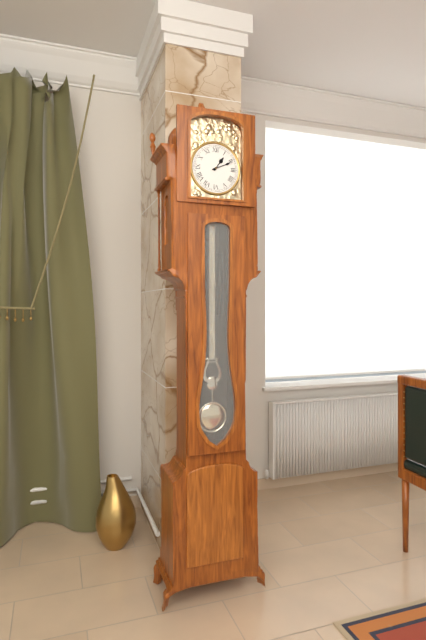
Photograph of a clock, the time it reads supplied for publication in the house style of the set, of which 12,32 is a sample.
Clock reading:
1,11
